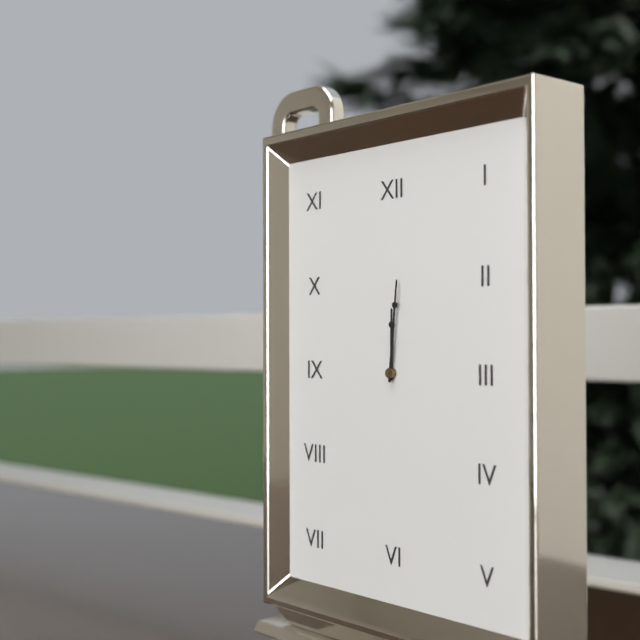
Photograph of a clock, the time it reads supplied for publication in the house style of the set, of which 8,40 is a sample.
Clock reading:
12,01
